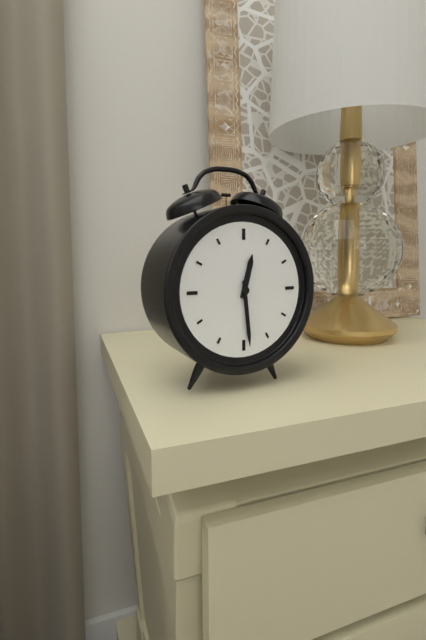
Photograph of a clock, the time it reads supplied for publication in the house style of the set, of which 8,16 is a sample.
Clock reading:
12,29
